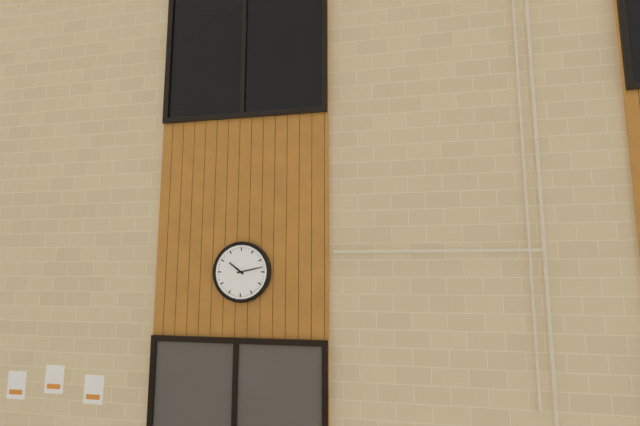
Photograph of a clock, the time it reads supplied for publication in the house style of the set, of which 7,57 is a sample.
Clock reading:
10,13
